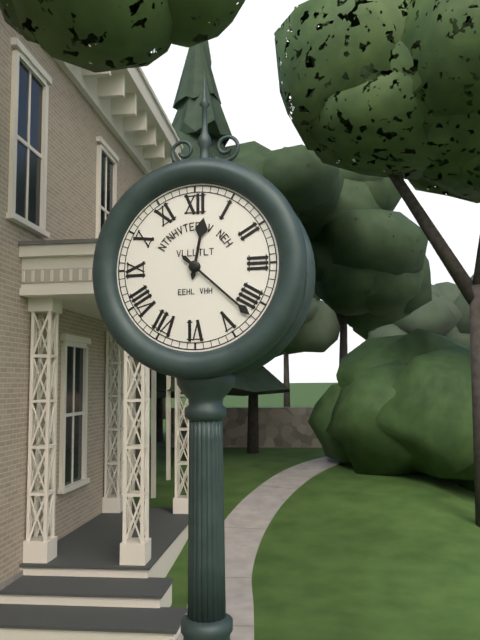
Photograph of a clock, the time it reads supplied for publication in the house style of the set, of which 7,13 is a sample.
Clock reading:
12,22
